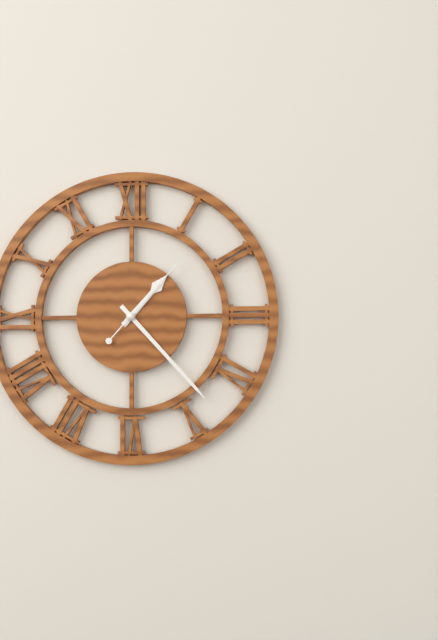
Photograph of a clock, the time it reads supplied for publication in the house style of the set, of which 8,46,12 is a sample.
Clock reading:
1,23,07
